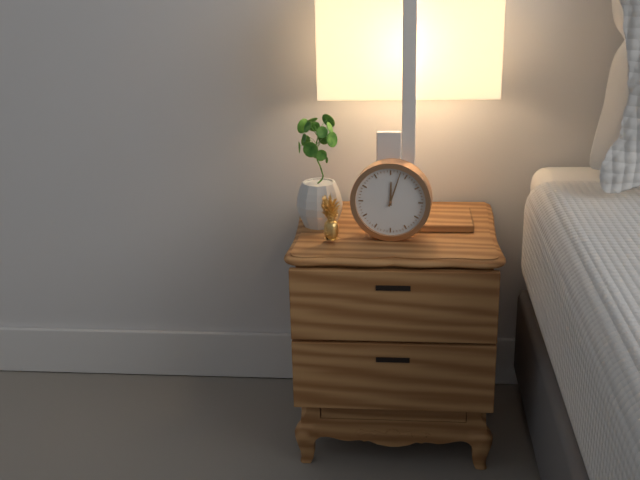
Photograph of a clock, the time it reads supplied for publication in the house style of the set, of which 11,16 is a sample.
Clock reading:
12,03
